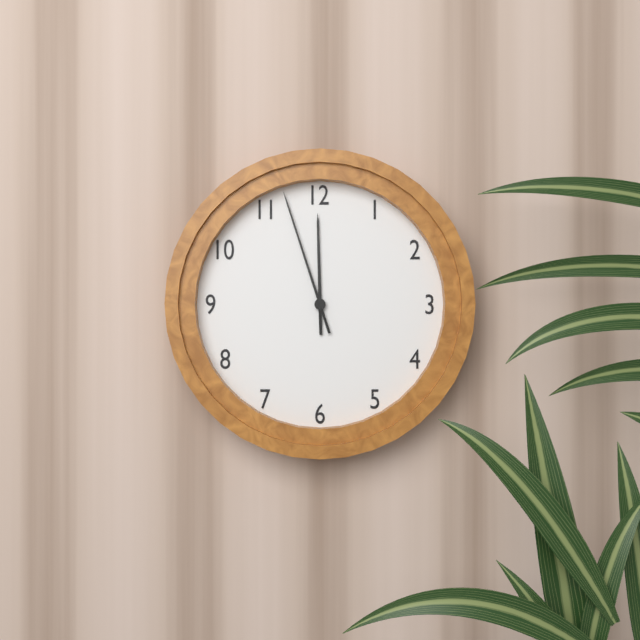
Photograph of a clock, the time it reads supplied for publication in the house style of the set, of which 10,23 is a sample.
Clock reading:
11,57
